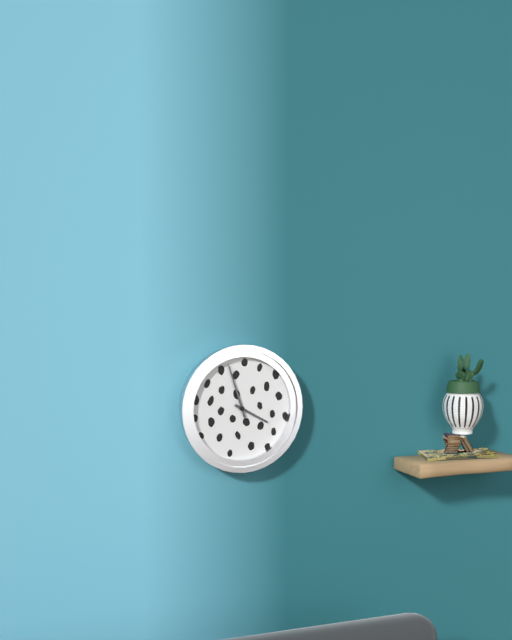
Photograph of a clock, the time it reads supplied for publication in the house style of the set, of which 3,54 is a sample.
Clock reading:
3,57
